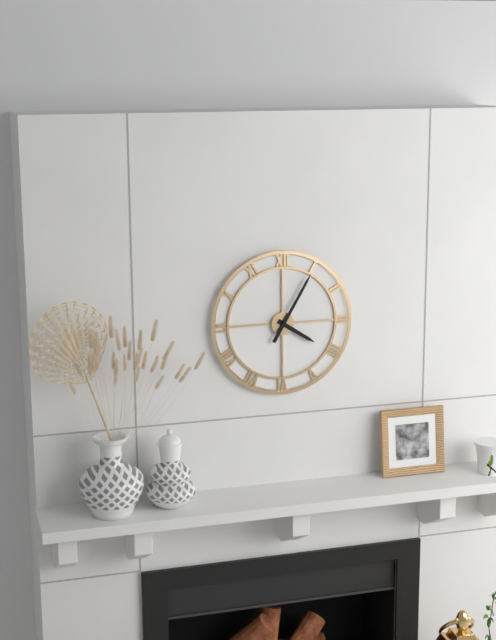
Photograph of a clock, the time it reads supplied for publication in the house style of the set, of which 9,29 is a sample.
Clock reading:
4,05
